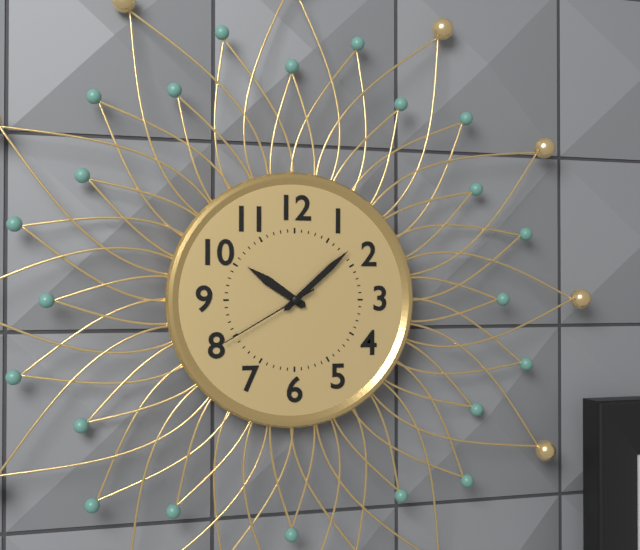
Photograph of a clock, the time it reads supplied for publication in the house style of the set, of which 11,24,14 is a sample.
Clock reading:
10,08,40
